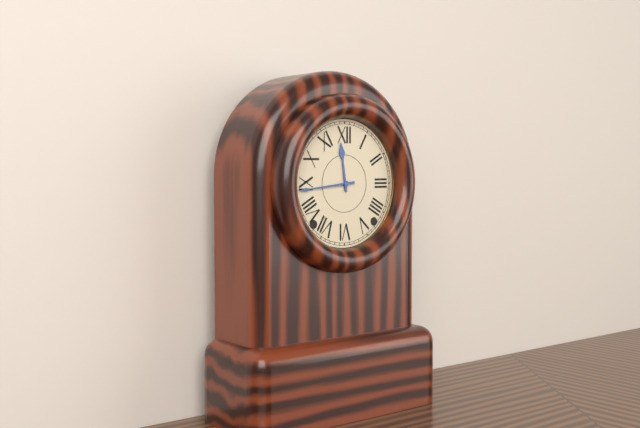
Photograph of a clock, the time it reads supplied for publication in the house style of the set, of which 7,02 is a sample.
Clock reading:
11,44
